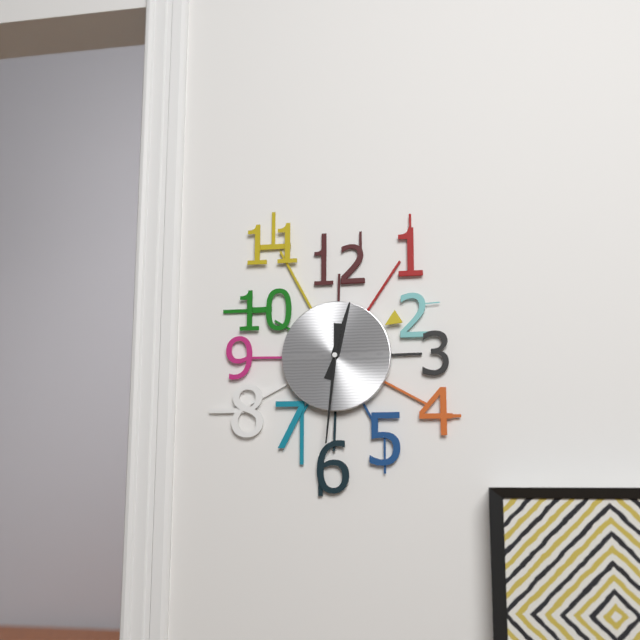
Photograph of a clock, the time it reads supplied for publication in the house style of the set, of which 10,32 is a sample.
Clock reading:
12,31
